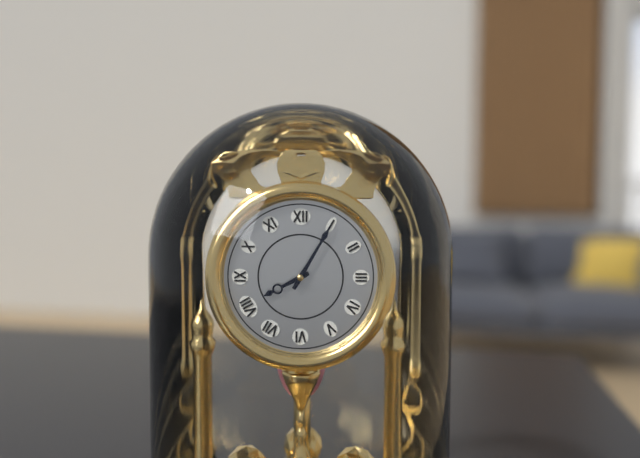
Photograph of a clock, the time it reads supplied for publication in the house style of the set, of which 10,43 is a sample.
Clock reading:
8,05
